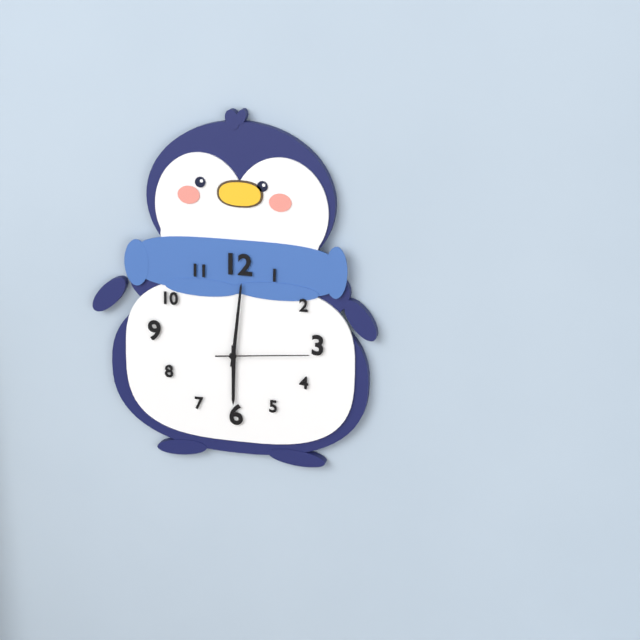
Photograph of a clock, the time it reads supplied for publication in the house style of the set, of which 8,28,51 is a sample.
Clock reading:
6,01,14
